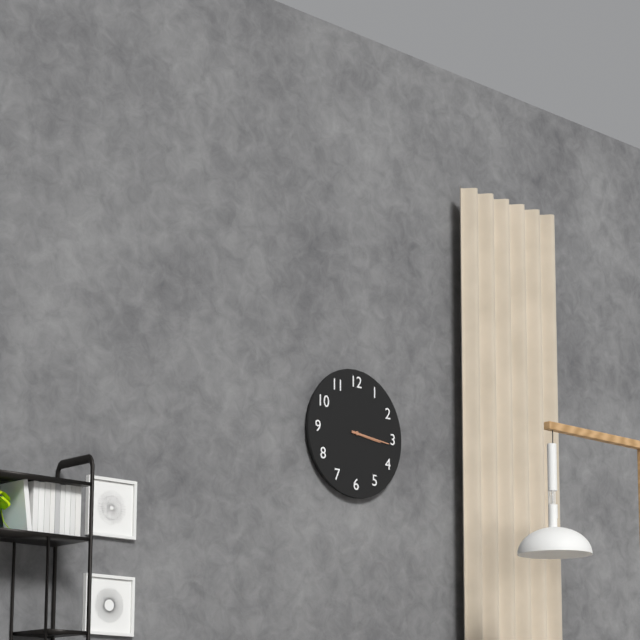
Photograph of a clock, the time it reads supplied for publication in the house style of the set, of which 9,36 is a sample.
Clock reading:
3,16
